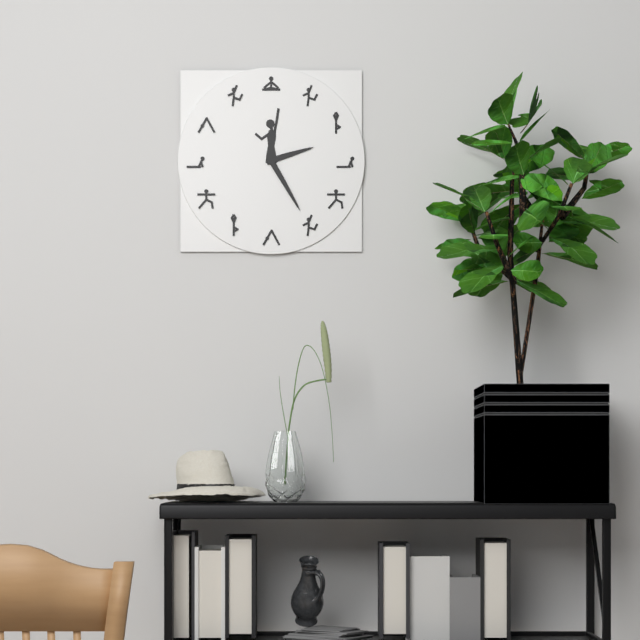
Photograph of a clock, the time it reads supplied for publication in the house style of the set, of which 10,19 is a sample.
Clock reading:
2,25
